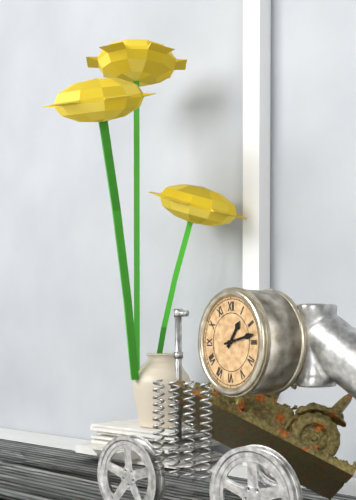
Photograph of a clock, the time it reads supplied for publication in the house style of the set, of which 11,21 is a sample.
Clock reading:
1,13
